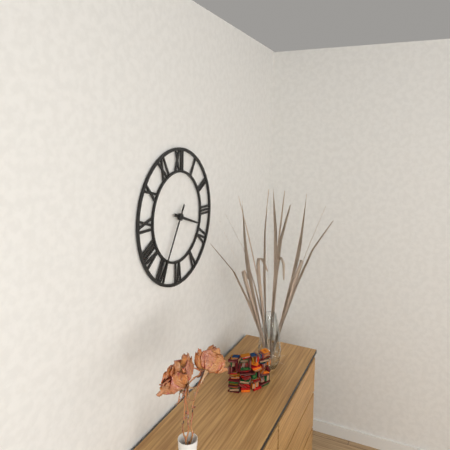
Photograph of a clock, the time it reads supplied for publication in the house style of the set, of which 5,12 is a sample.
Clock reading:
3,35
